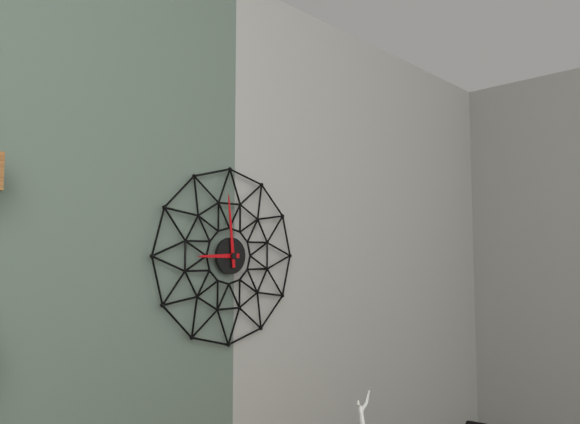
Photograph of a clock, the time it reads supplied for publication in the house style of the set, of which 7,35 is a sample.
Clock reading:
8,59
